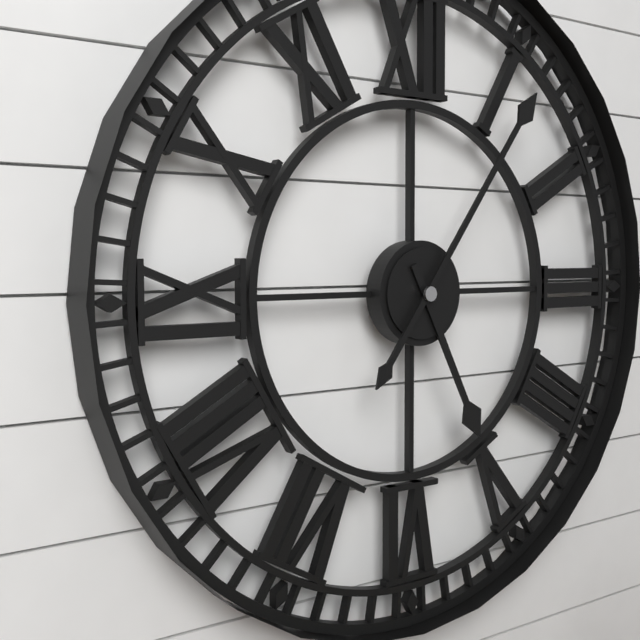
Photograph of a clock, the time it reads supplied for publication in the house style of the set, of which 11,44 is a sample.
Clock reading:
5,06
